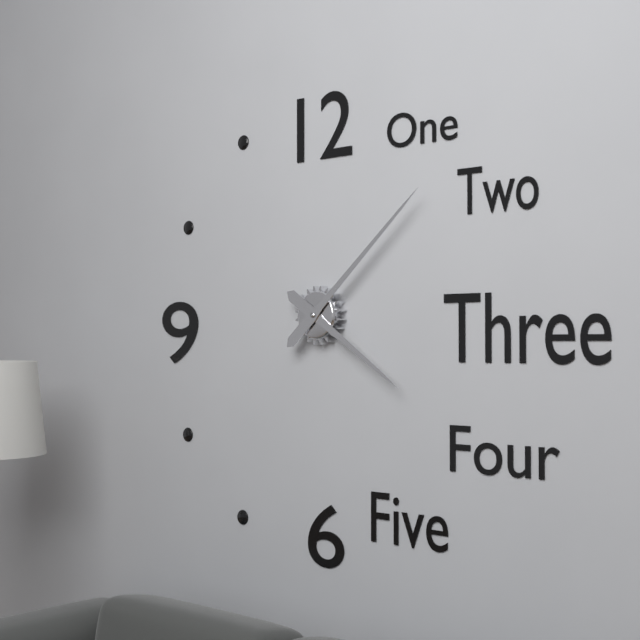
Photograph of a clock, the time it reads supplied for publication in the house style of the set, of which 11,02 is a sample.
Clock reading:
4,08
